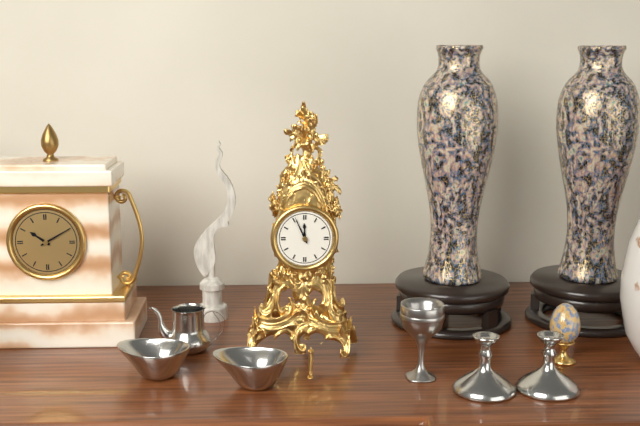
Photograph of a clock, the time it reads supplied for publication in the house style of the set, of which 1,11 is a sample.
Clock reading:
11,56
